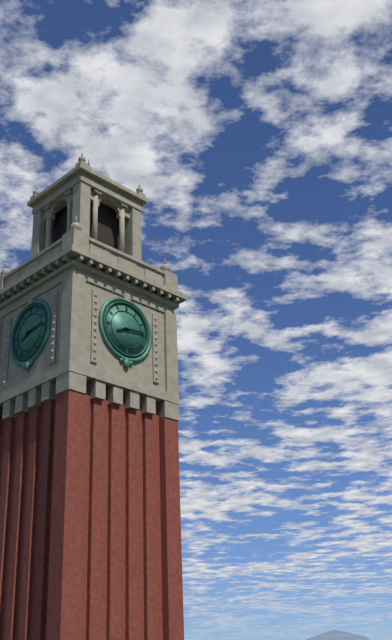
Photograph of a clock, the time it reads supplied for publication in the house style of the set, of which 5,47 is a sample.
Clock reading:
8,14
